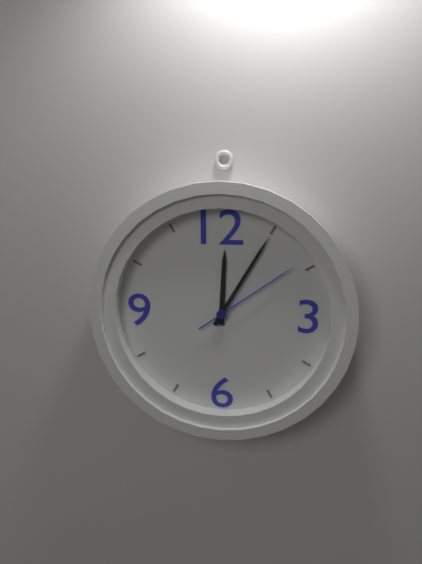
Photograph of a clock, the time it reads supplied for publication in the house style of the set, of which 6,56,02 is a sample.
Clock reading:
12,05,09
